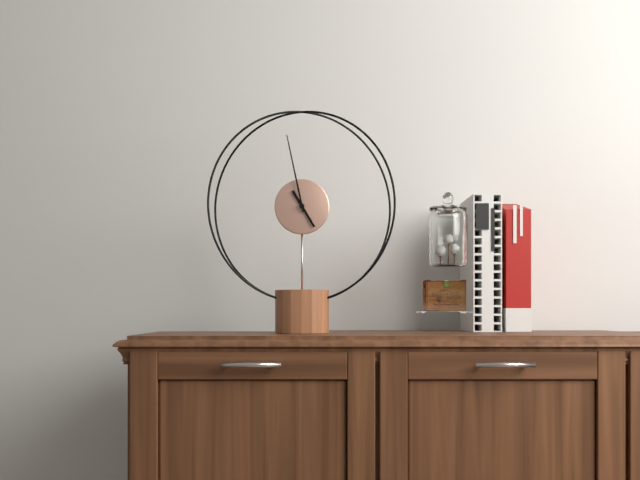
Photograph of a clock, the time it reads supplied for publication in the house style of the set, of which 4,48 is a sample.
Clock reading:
4,58
